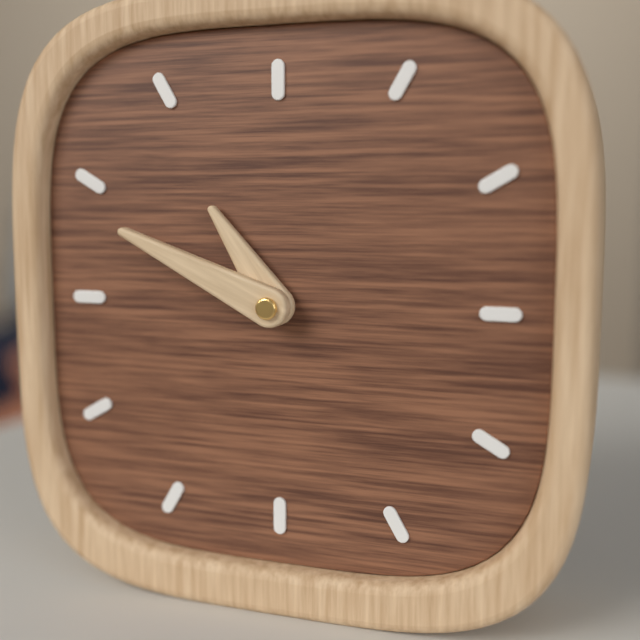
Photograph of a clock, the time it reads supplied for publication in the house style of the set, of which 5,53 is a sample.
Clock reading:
10,49
